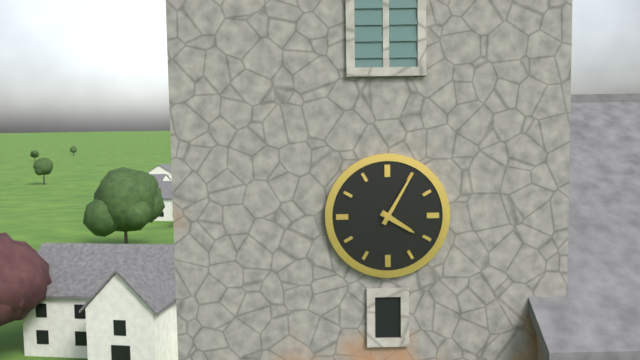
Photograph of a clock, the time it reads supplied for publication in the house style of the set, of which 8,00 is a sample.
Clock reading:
4,05
